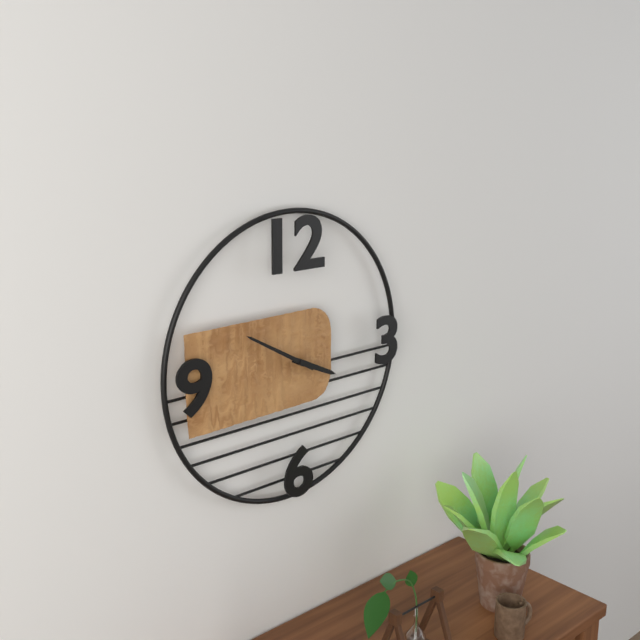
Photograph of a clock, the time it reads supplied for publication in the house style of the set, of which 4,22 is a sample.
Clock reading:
3,50
